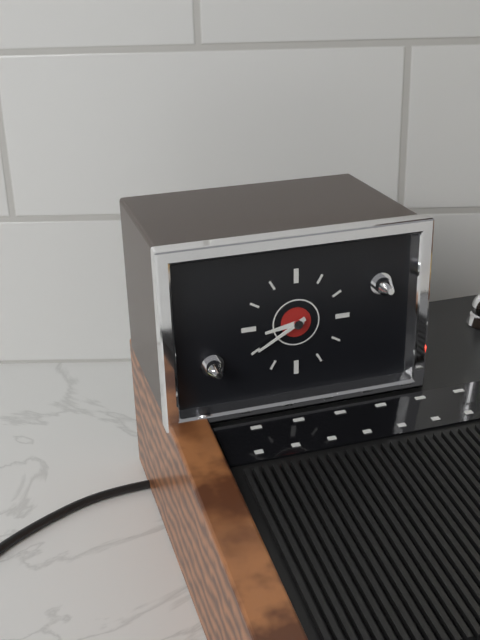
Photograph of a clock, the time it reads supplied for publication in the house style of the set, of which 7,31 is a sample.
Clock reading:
8,40
